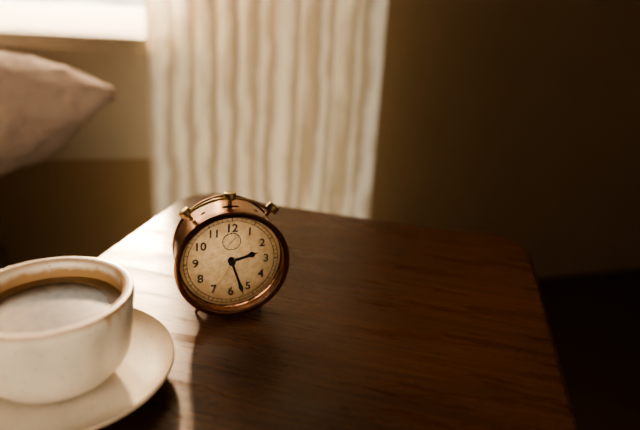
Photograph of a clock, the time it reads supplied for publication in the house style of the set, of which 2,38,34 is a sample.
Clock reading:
2,27,35
